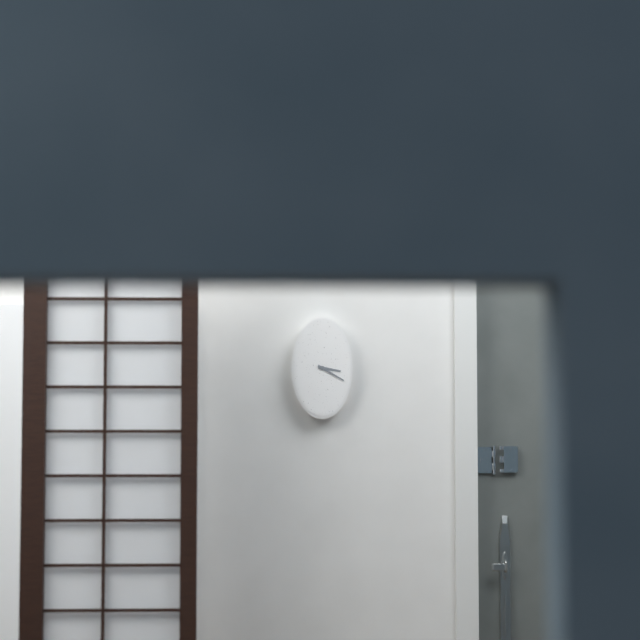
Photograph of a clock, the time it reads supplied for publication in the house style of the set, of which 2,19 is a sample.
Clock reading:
3,20
